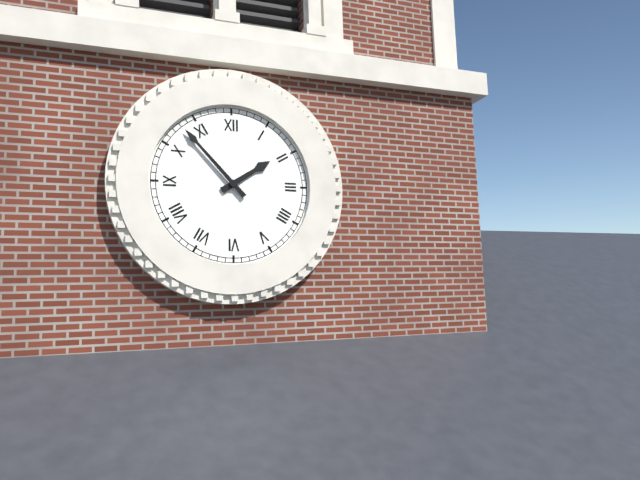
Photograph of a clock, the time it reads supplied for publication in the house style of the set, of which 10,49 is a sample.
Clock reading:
1,53
